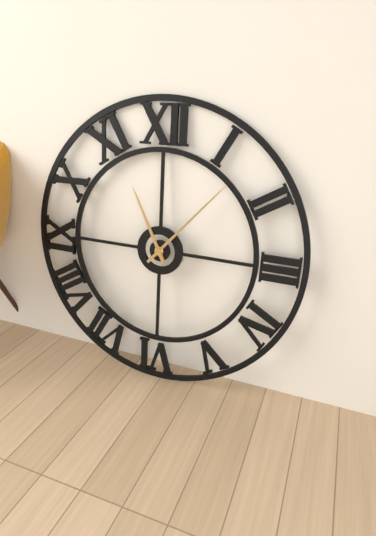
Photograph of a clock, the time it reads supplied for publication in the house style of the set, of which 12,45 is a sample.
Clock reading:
11,07
